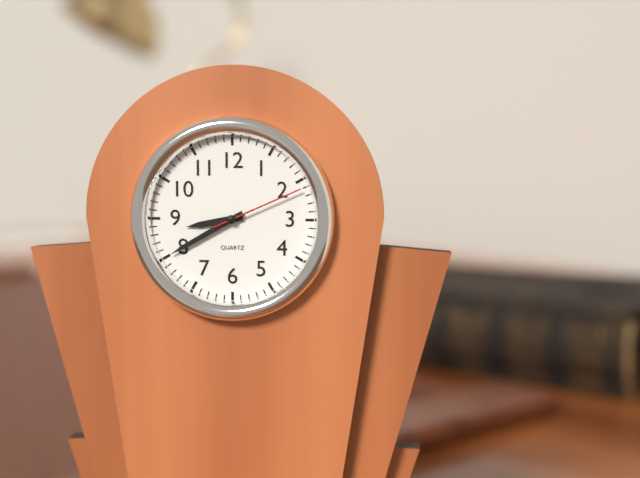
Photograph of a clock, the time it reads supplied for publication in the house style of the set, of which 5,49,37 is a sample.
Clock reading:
8,40,11
